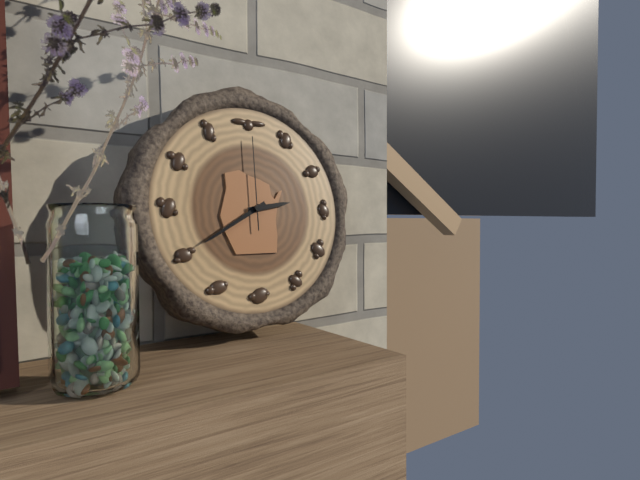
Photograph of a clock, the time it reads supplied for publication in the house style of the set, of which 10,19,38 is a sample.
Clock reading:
2,40,00
